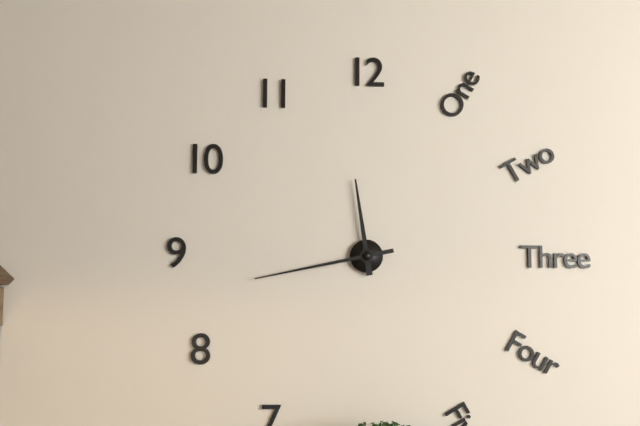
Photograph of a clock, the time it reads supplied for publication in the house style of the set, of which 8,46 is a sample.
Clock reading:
11,43
